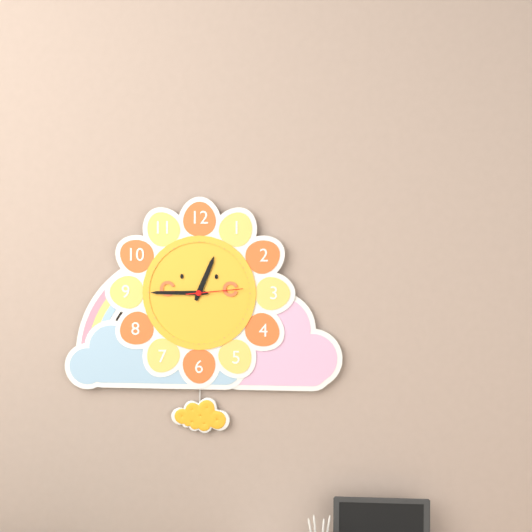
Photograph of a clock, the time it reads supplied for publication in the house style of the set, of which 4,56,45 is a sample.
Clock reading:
12,45,14
